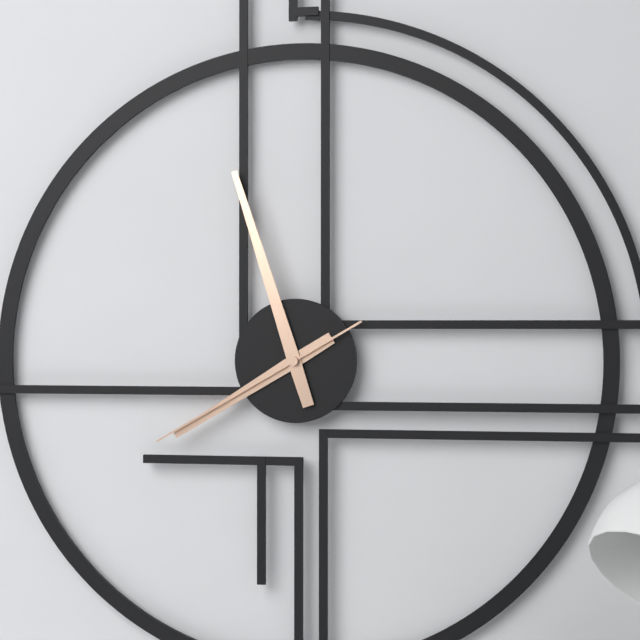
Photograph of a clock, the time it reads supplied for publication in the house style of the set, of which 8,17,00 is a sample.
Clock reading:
7,57,40
